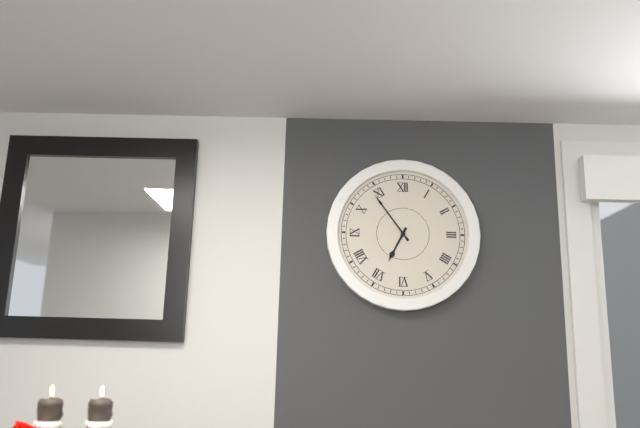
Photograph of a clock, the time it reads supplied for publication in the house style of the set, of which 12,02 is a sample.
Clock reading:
6,54
